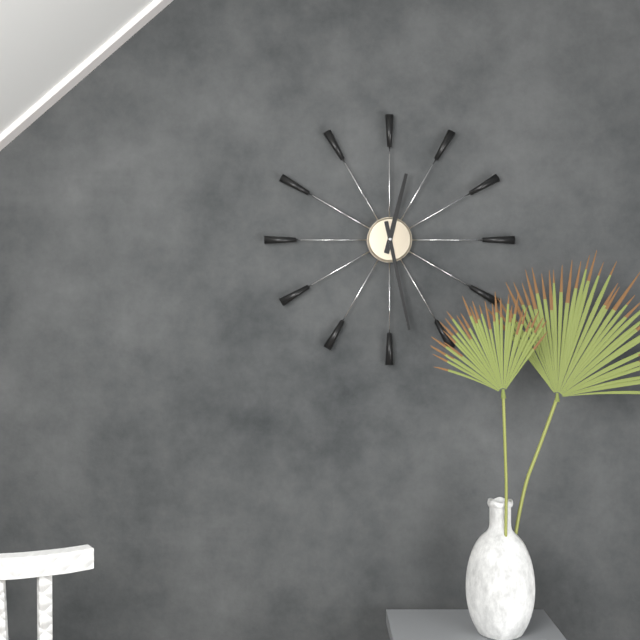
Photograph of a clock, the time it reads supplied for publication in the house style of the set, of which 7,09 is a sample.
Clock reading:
12,28
